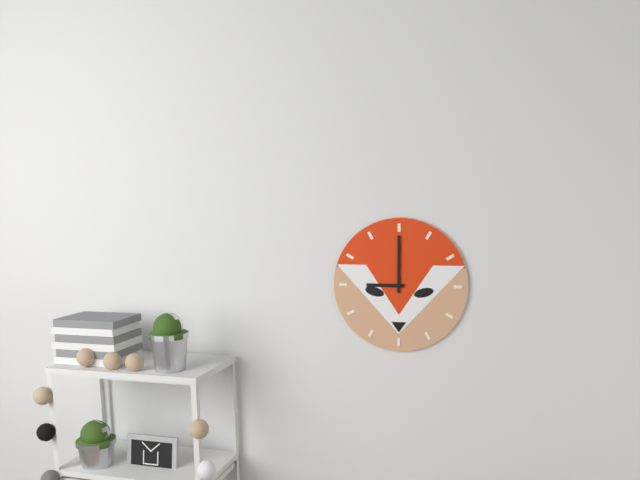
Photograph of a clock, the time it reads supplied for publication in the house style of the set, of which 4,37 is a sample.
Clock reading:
9,00
